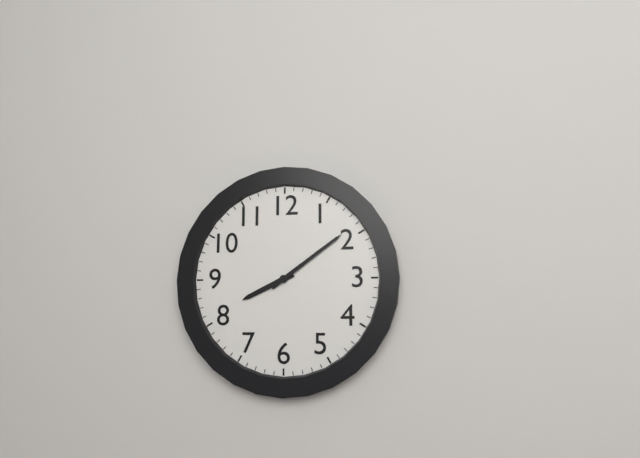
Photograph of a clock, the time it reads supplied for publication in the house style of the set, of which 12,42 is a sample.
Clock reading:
8,09
